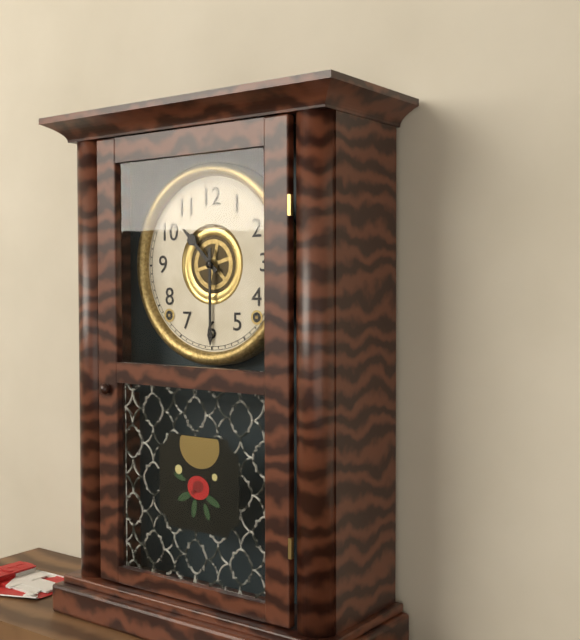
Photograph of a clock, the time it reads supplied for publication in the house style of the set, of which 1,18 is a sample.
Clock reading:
10,30
